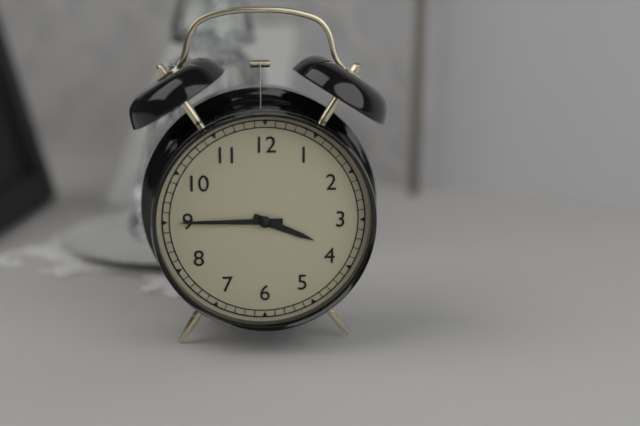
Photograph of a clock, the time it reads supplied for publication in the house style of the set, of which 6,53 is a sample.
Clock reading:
3,45
